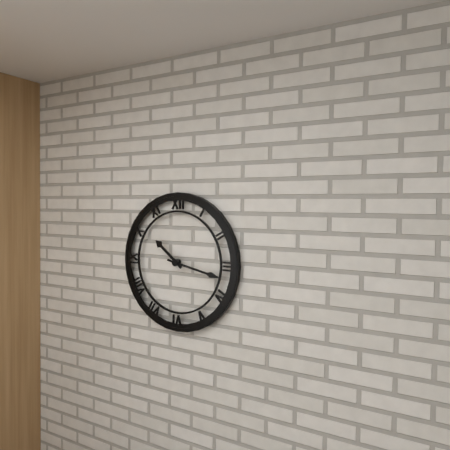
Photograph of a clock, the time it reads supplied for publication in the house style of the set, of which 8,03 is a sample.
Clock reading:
10,17
